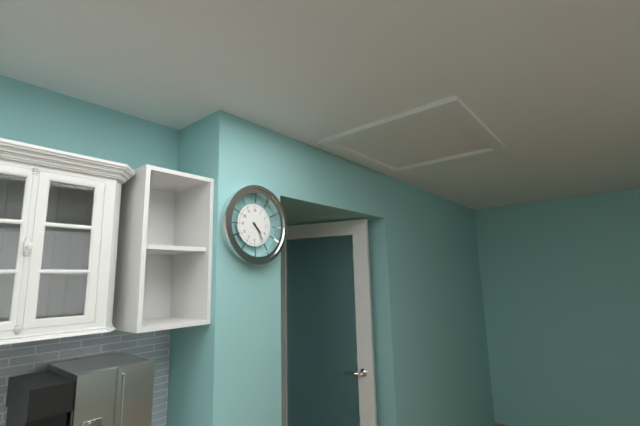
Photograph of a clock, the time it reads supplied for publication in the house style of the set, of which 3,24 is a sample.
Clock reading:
4,24
